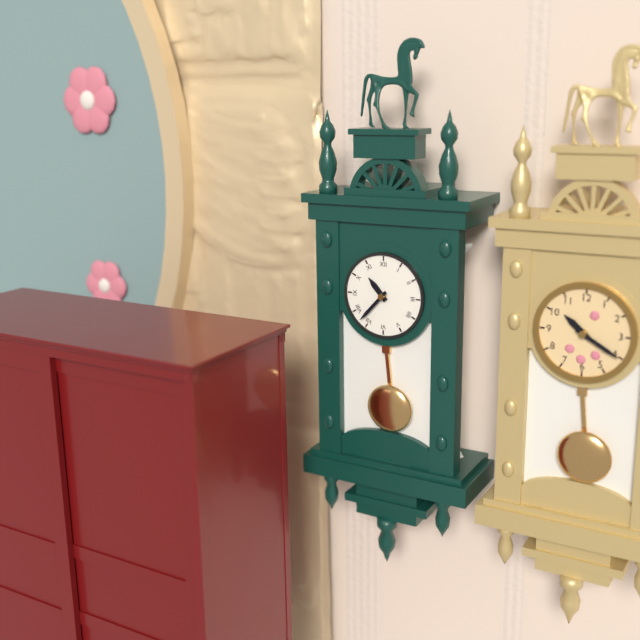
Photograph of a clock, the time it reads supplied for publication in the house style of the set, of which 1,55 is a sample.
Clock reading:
10,37
